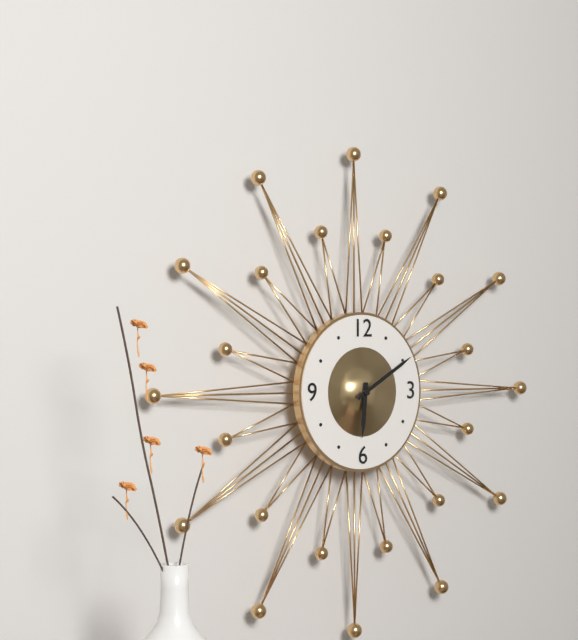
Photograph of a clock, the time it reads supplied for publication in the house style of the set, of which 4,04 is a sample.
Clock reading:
6,10
